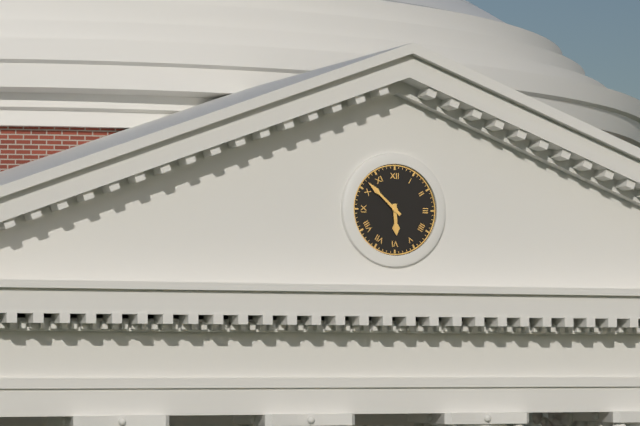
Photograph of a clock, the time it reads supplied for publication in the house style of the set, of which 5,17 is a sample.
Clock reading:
5,52
